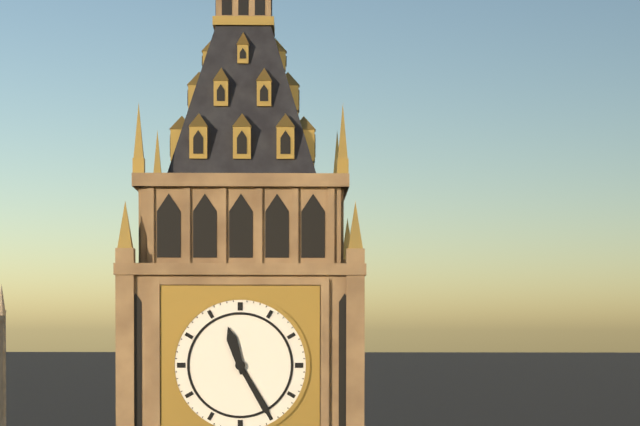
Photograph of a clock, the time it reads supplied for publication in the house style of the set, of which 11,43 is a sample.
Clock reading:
11,25
